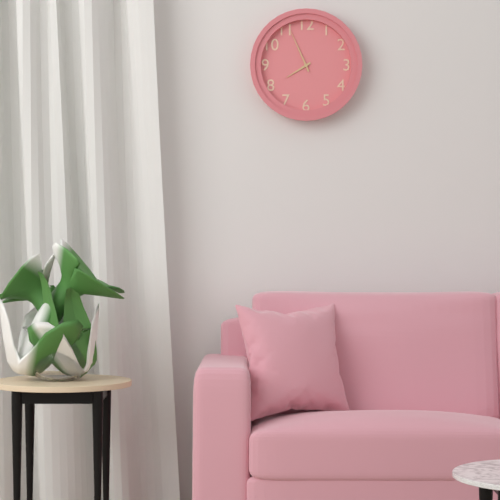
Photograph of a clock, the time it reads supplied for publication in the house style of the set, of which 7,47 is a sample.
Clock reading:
7,56
